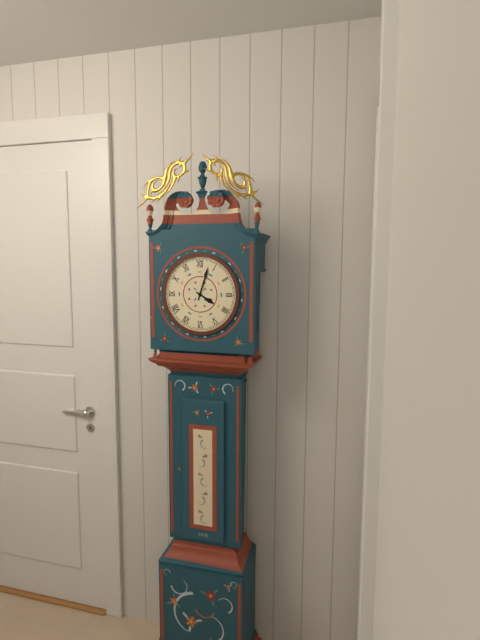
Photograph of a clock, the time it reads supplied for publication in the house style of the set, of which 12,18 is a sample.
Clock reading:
4,03
